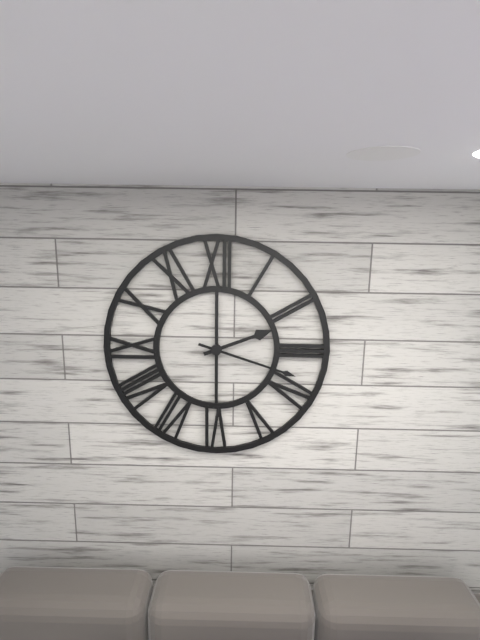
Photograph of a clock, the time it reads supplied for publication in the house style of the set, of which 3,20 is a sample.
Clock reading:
2,18
